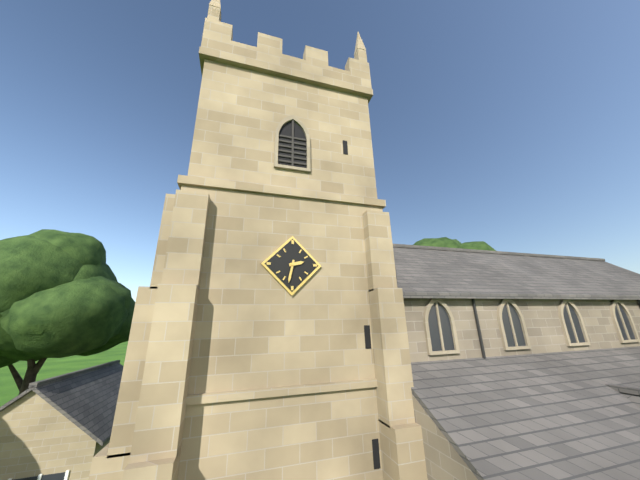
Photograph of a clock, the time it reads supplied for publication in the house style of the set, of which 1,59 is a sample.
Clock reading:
2,32
